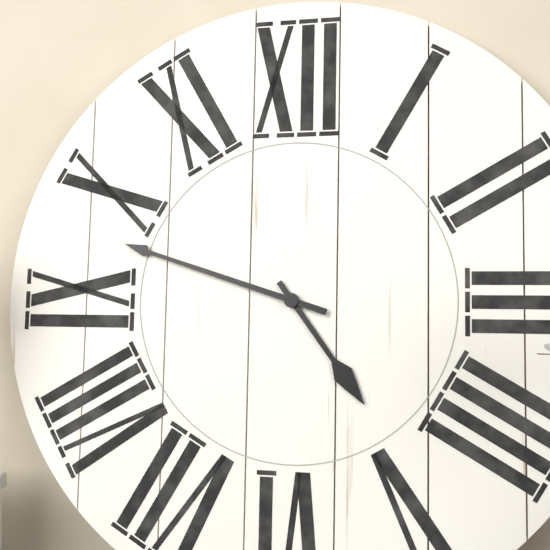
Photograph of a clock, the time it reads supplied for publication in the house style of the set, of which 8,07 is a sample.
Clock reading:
4,48
